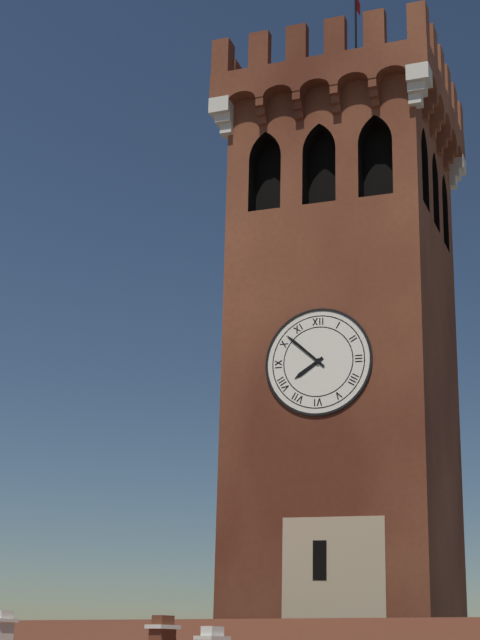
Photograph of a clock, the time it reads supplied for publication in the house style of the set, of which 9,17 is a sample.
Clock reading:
7,52
